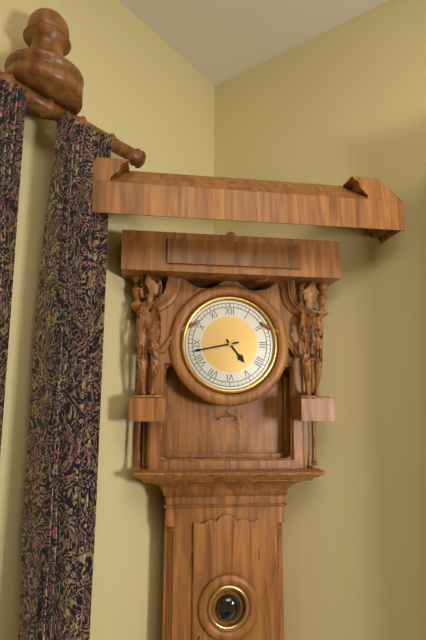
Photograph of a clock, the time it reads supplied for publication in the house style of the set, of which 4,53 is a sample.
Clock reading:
4,43
